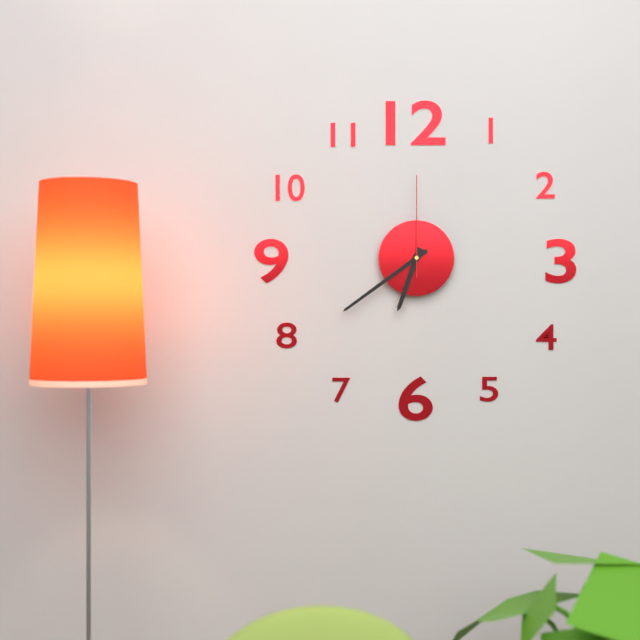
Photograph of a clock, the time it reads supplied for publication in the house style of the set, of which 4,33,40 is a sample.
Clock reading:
6,39,00
